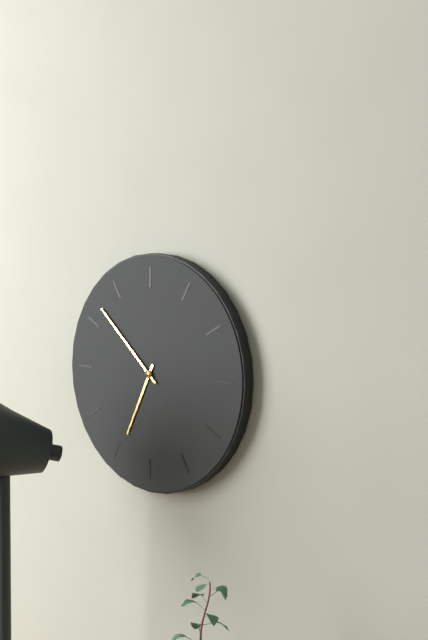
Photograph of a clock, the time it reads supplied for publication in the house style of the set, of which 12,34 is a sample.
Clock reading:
6,52
